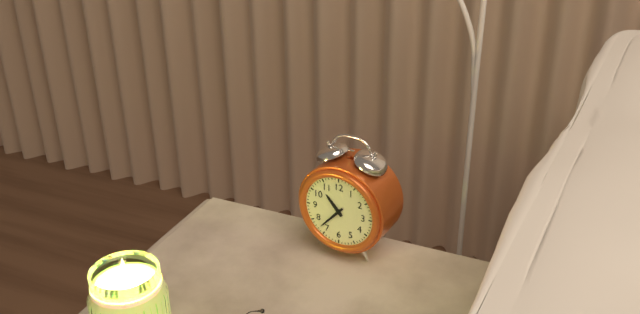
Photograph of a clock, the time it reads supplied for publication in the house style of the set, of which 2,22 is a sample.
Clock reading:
10,37
